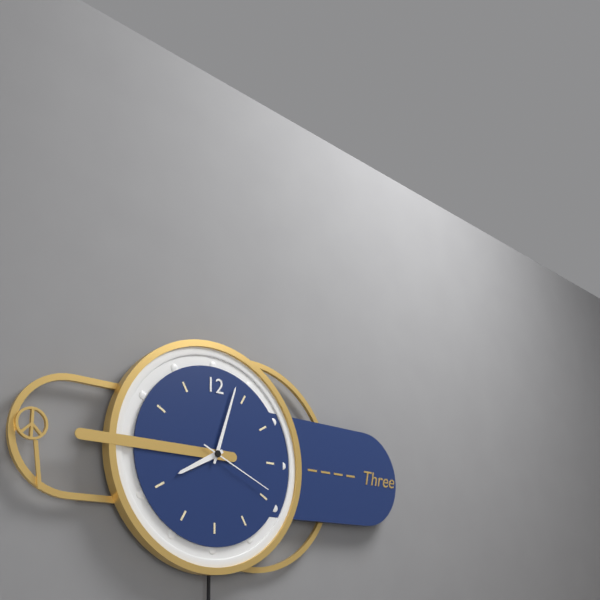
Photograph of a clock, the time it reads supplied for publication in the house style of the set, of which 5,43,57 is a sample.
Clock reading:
8,03,19
